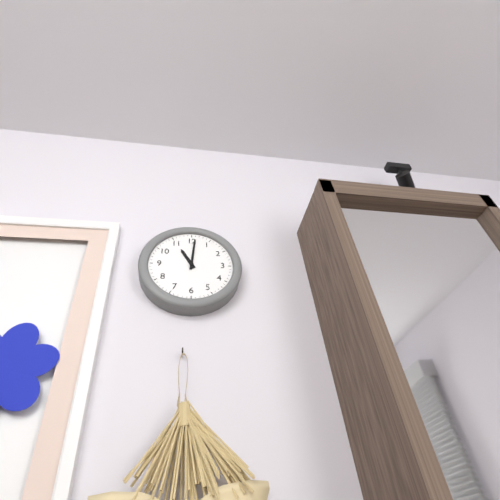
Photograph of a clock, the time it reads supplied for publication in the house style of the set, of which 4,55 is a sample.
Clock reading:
11,01
